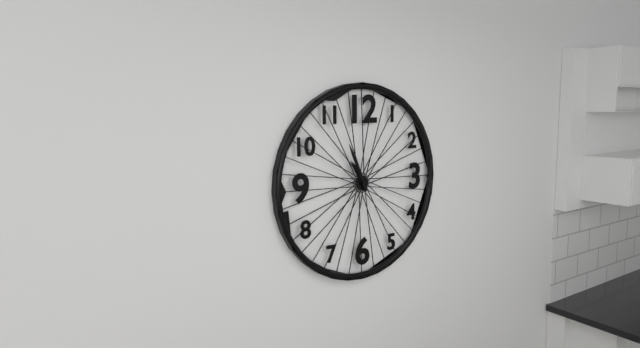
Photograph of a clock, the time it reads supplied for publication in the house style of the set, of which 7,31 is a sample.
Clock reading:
10,56
